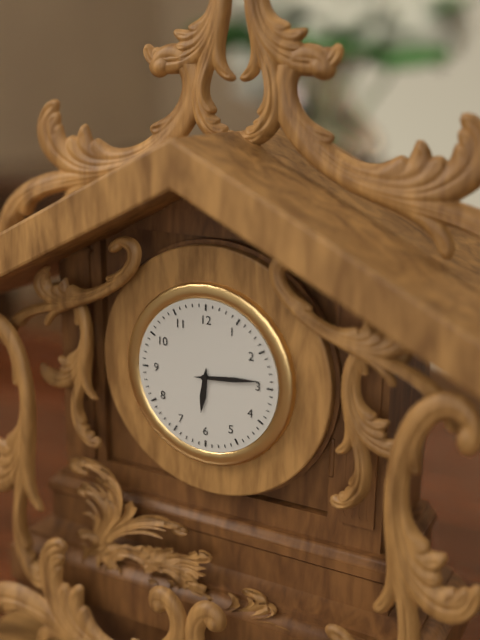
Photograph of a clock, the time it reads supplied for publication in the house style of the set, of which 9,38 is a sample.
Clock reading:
6,14
